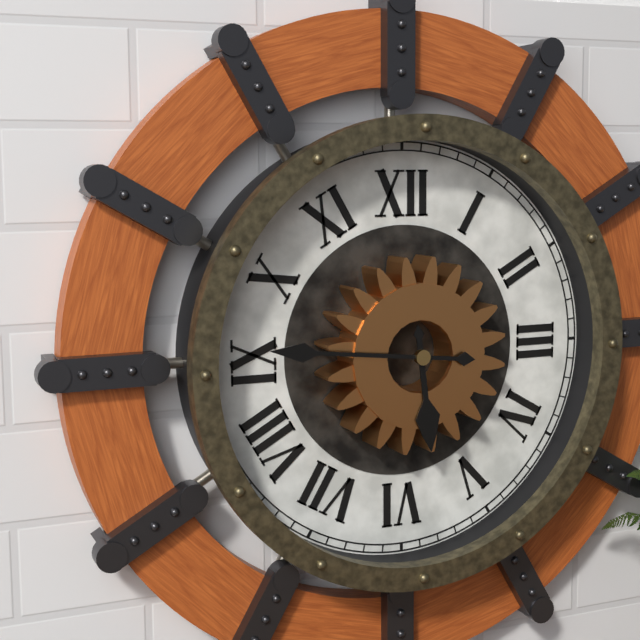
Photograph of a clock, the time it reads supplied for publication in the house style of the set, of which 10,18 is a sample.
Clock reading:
5,46
